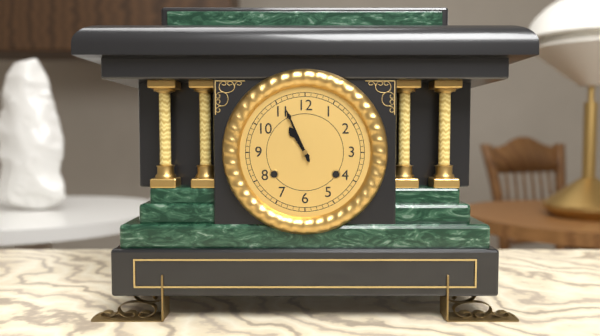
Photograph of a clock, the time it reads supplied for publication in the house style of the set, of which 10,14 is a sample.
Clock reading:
10,56
